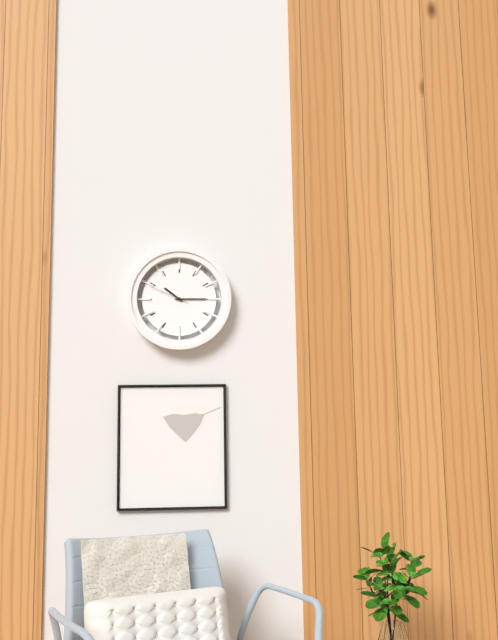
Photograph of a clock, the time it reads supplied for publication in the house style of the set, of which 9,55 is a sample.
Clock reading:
10,15
